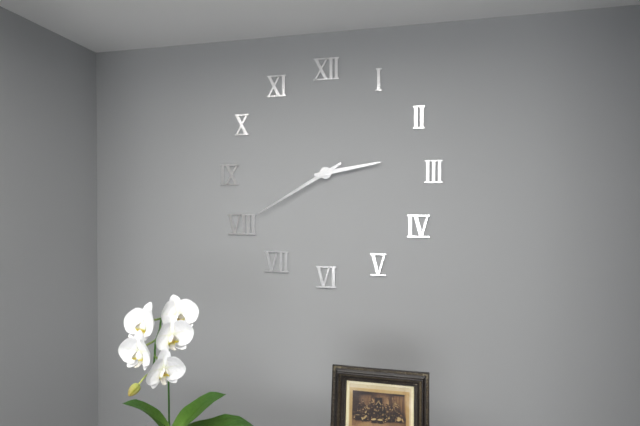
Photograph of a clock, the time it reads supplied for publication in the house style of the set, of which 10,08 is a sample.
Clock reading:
2,40
